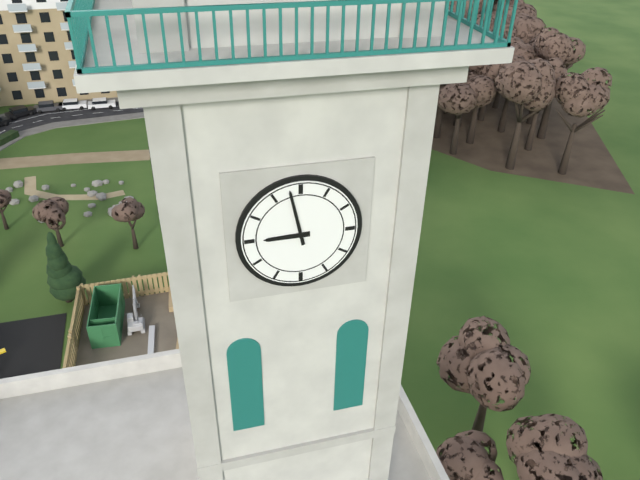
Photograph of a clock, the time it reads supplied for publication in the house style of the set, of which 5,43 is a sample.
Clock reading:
8,58
